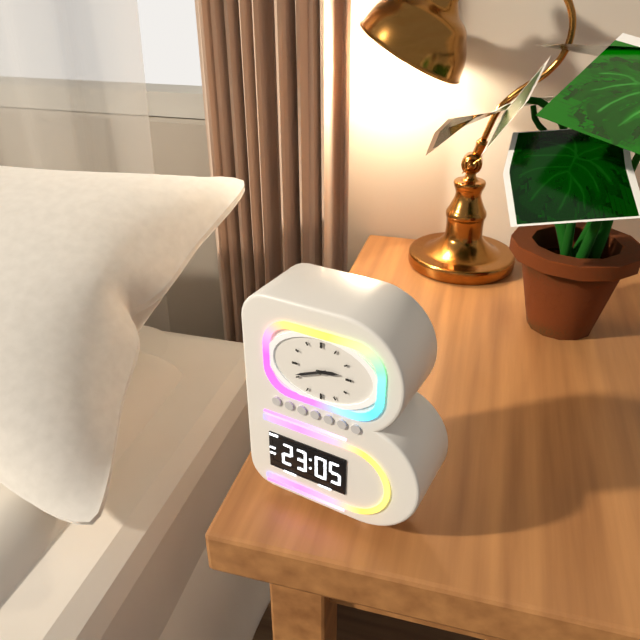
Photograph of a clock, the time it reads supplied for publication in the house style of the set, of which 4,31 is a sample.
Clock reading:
2,41
